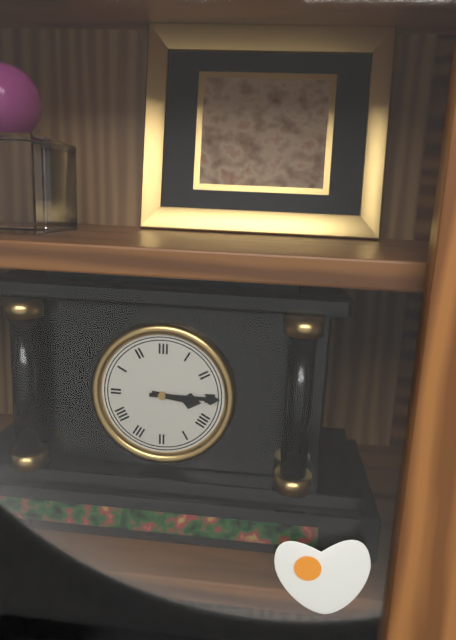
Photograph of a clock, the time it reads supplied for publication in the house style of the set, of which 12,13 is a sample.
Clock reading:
3,15
